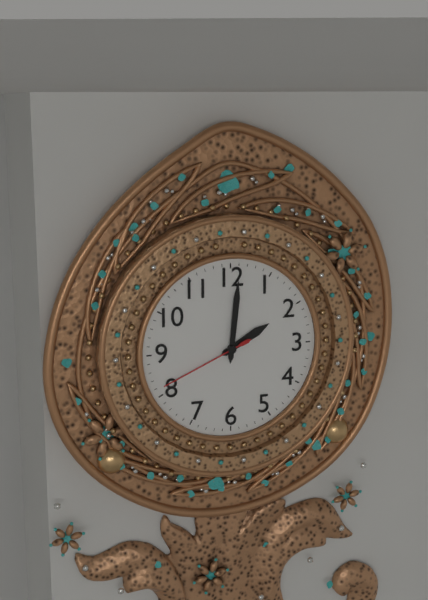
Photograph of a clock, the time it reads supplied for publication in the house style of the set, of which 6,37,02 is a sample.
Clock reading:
2,01,41
